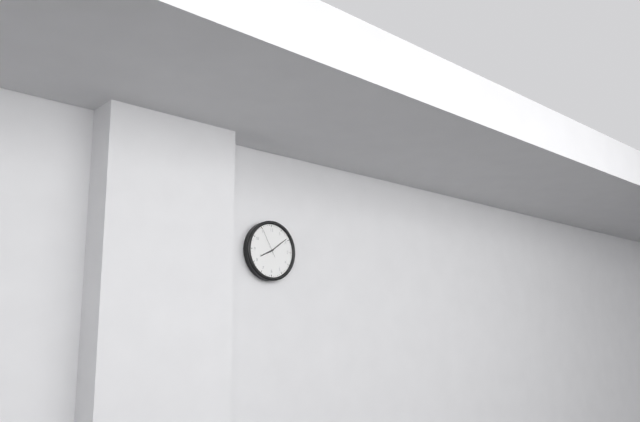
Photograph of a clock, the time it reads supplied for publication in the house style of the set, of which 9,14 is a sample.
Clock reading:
8,09
